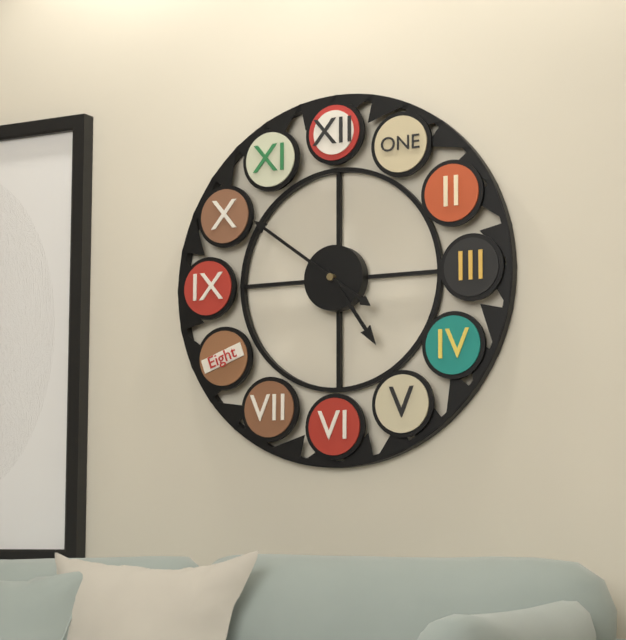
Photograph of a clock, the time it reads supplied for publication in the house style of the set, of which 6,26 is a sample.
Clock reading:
4,51
